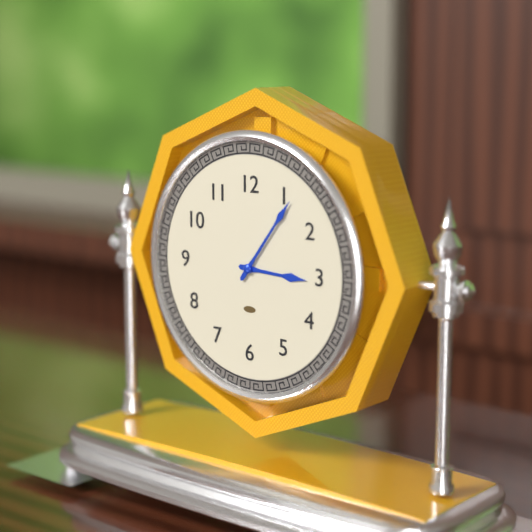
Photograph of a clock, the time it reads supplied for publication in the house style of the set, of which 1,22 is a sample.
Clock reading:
3,06
